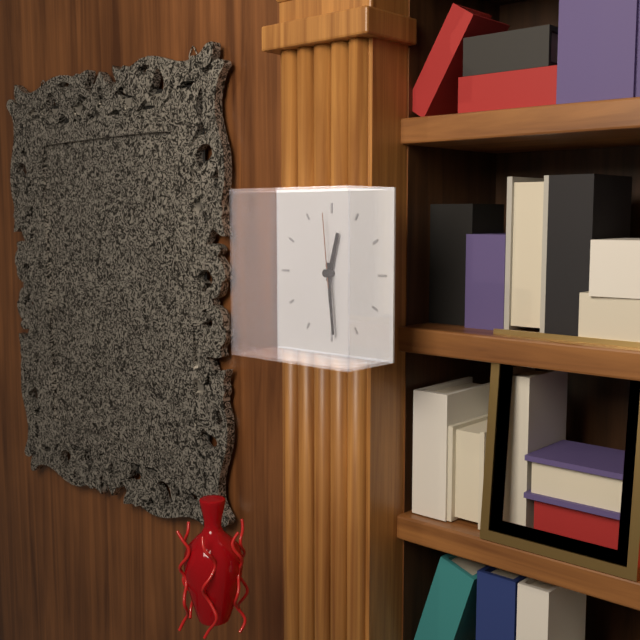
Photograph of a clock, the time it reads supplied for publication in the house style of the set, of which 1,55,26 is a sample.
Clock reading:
12,29,59
